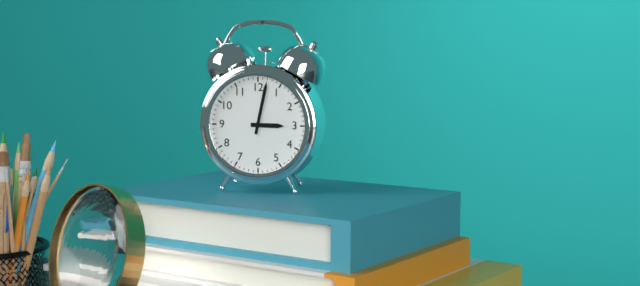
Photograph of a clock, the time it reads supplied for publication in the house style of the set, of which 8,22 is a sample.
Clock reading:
3,02
